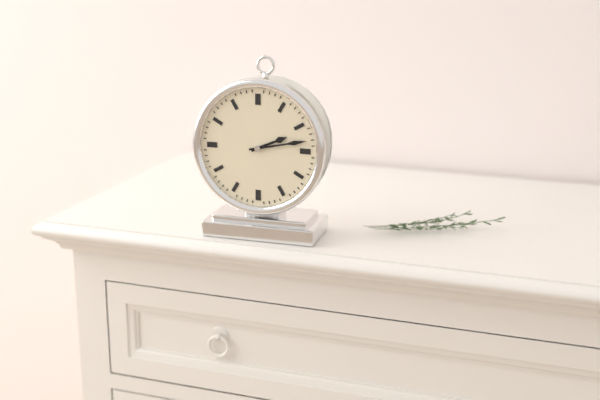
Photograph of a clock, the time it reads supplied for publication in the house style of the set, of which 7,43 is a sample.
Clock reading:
2,13
